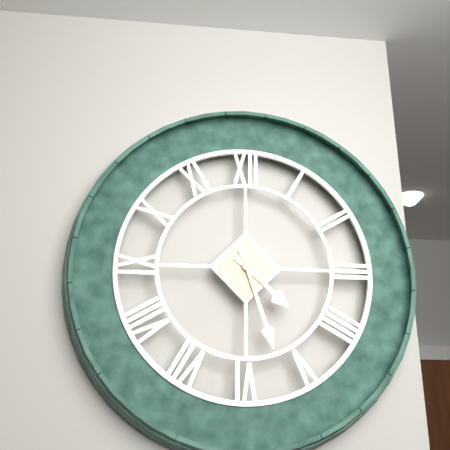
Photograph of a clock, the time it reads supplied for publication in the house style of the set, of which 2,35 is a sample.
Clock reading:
4,27
